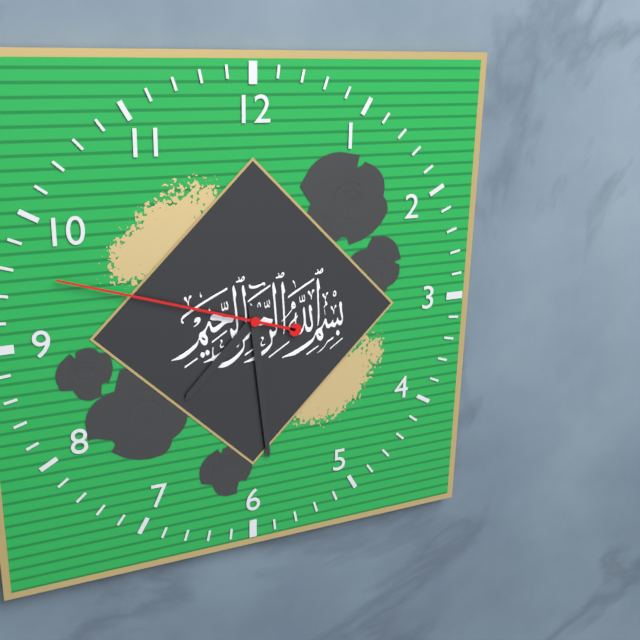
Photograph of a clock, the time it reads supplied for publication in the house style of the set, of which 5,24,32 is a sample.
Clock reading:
7,29,48
